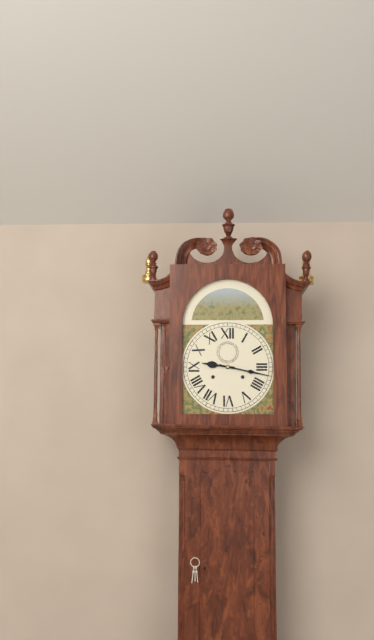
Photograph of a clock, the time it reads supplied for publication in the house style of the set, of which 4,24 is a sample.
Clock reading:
9,17
